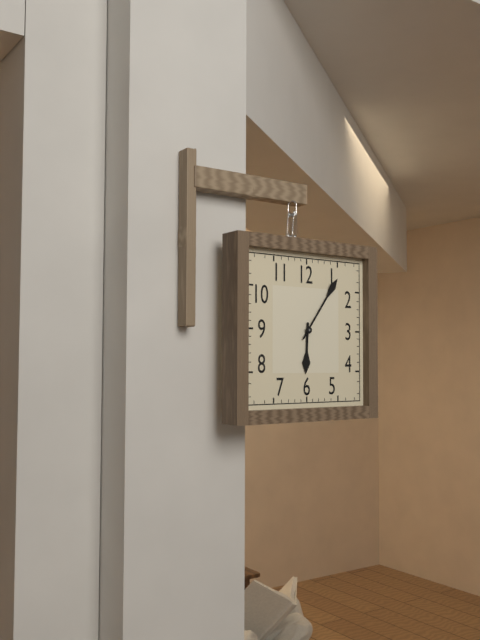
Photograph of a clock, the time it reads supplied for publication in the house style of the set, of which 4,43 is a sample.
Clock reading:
6,06
